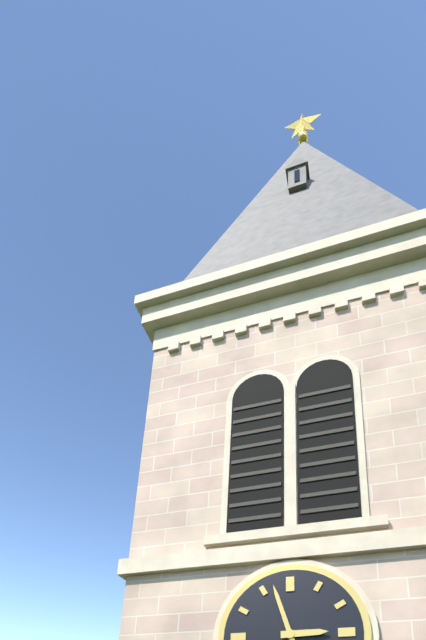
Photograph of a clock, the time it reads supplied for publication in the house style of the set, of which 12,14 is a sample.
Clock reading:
2,57
